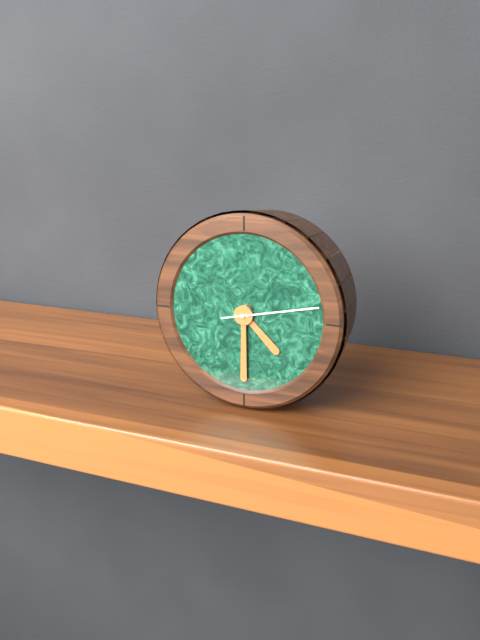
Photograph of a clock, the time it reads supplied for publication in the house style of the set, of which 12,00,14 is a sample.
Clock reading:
4,30,13
